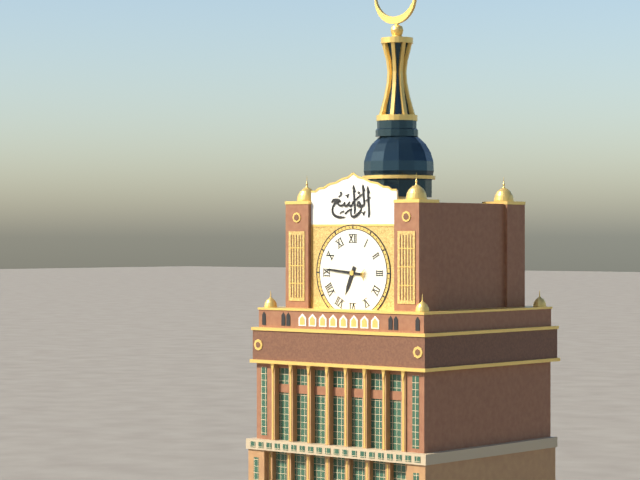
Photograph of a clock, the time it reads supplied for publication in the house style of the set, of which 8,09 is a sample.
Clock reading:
6,46
